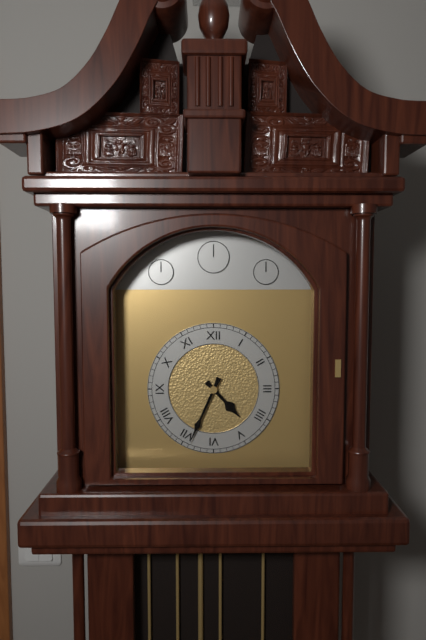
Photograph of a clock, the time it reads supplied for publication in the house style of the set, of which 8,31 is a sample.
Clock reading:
4,34
